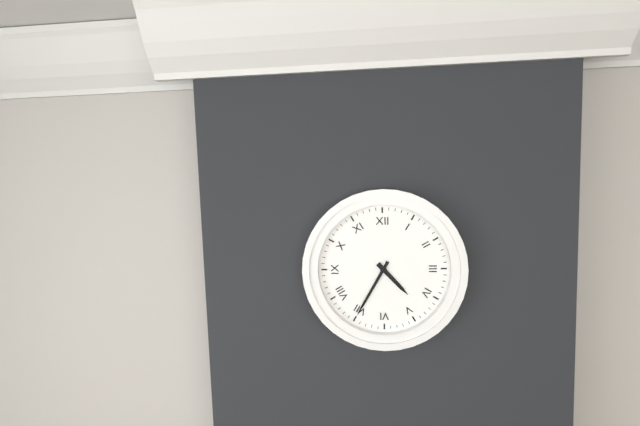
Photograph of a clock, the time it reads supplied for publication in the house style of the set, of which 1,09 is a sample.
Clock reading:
4,35
